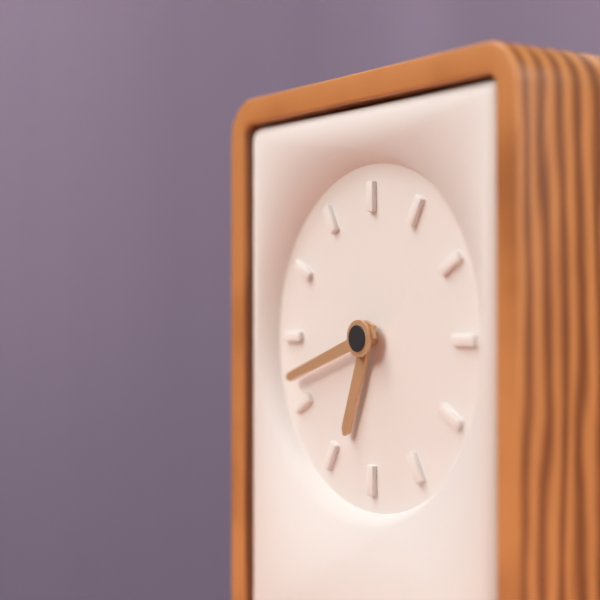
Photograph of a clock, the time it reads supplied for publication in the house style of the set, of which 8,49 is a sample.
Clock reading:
6,42
